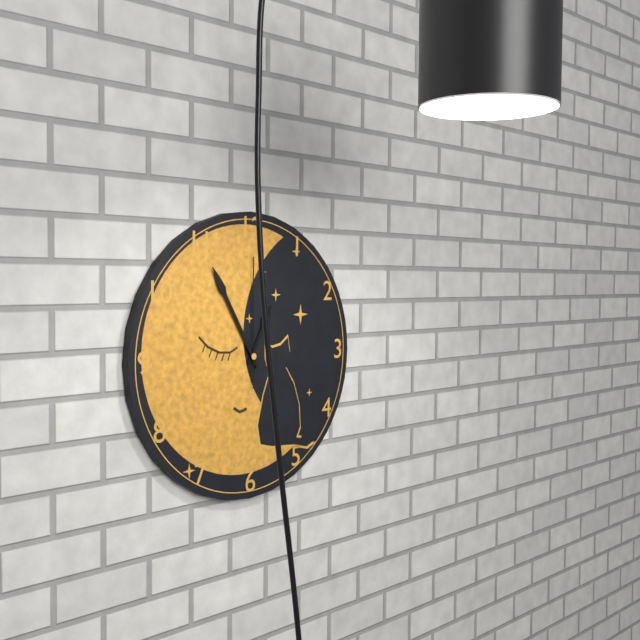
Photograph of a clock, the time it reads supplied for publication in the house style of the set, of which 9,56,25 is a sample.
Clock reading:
12,55,00
